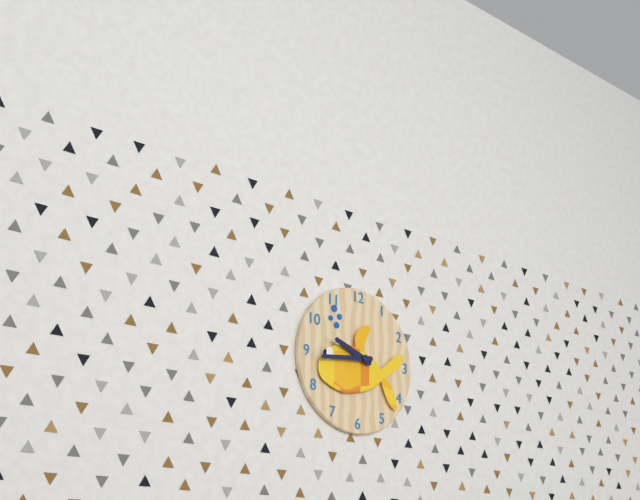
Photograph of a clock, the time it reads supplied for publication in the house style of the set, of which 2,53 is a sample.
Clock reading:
9,44
